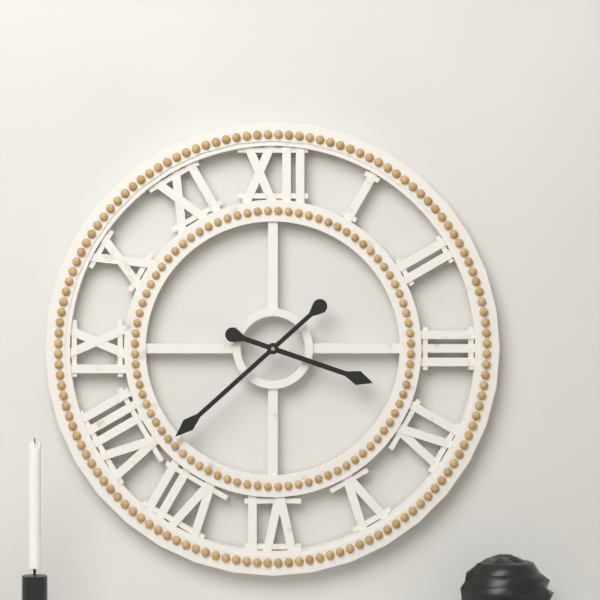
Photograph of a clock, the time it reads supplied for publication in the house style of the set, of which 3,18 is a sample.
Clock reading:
3,38
